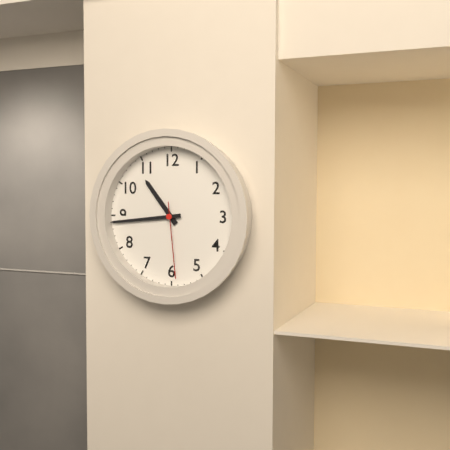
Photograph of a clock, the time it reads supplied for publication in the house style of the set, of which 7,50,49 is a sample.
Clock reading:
10,44,29
